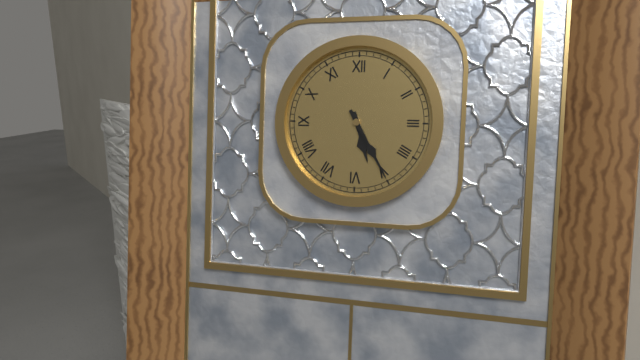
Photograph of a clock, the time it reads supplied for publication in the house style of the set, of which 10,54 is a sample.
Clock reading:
5,25
